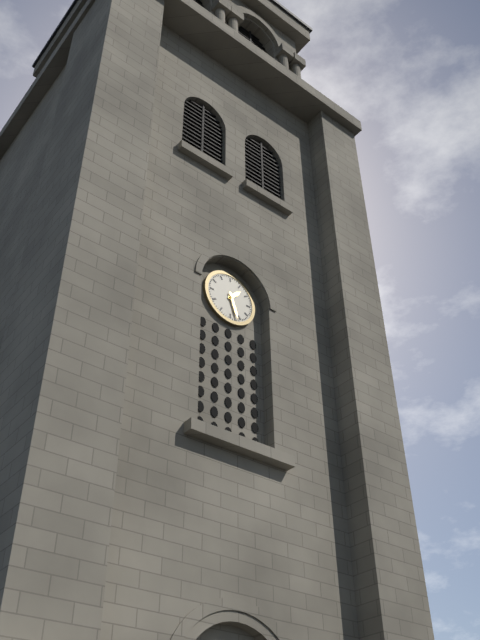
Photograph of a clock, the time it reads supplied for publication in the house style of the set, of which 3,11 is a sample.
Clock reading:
1,27
